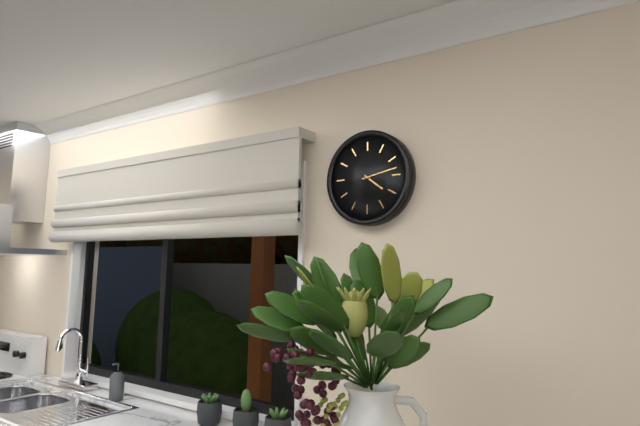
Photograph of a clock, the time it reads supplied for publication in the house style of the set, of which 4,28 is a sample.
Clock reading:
4,13
